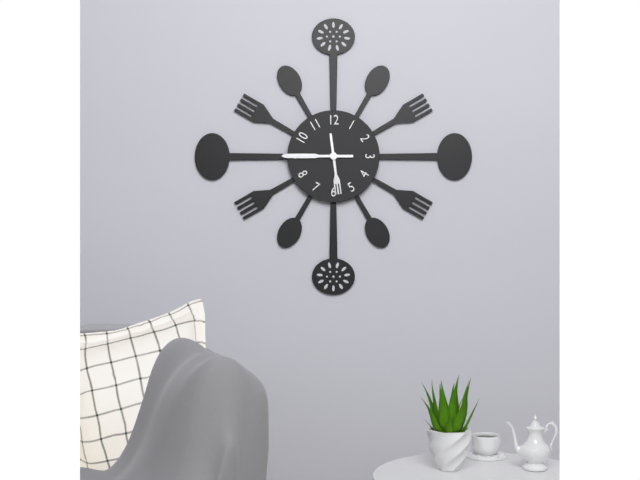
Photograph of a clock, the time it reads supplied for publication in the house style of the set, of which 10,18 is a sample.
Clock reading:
5,45
